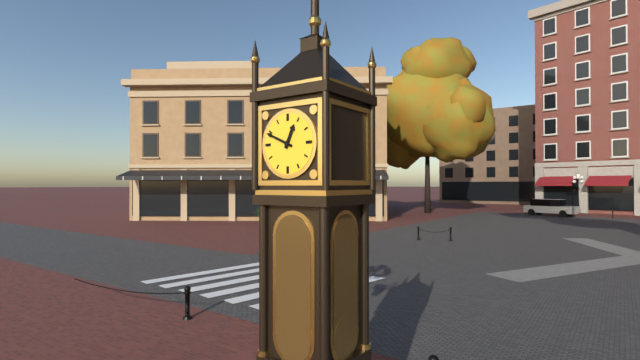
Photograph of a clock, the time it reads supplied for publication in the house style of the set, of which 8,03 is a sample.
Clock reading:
12,49
